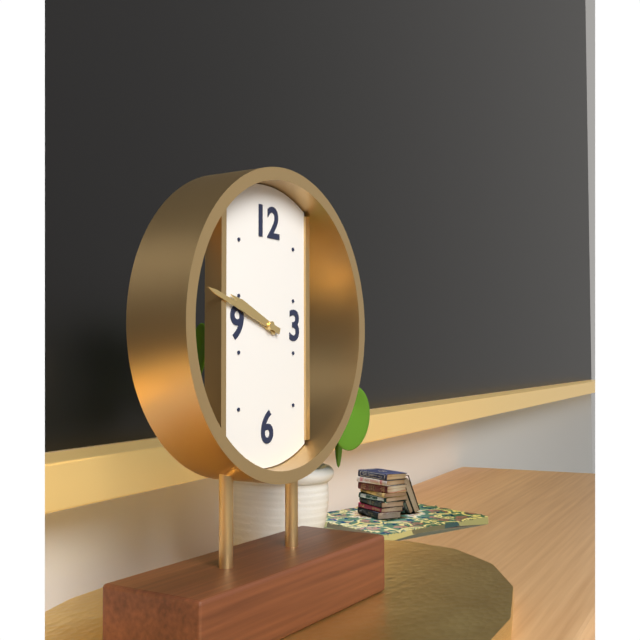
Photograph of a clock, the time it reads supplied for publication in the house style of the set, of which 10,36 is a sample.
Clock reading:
9,48
